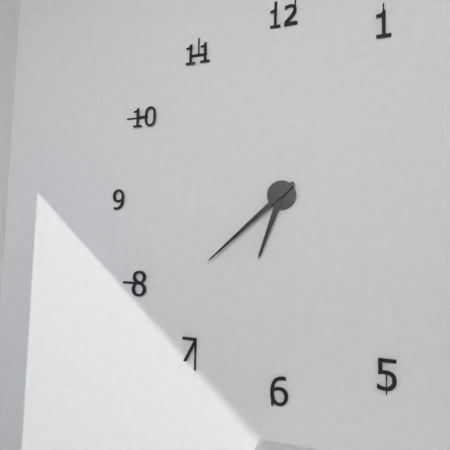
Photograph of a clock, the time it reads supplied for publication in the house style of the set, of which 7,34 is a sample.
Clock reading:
6,38
